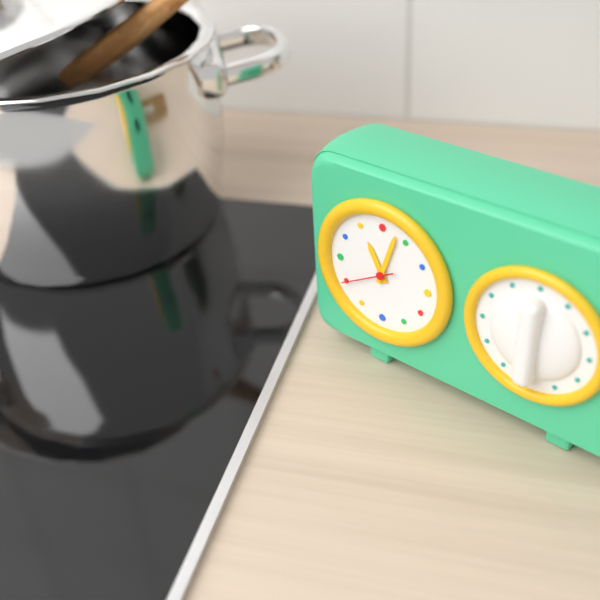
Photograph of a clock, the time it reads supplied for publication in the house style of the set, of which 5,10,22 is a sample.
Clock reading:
11,03,40
